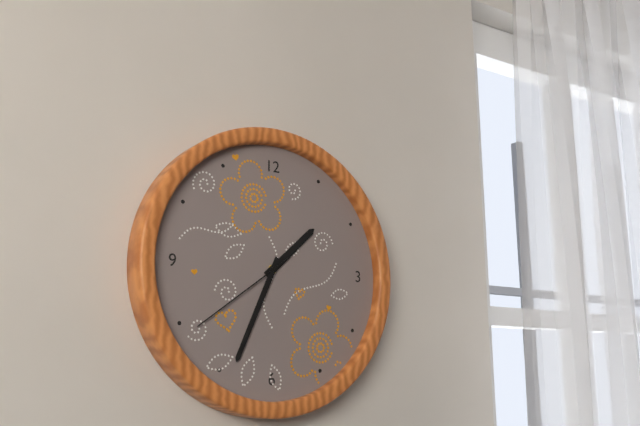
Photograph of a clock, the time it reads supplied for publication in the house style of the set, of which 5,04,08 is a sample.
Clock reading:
1,34,39
